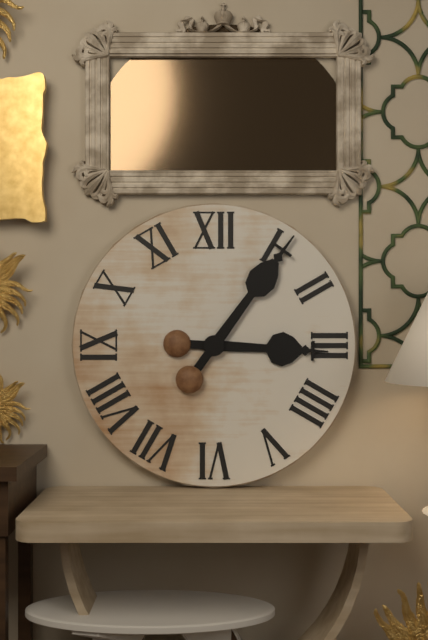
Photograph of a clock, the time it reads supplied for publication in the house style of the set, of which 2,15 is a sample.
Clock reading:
3,06
